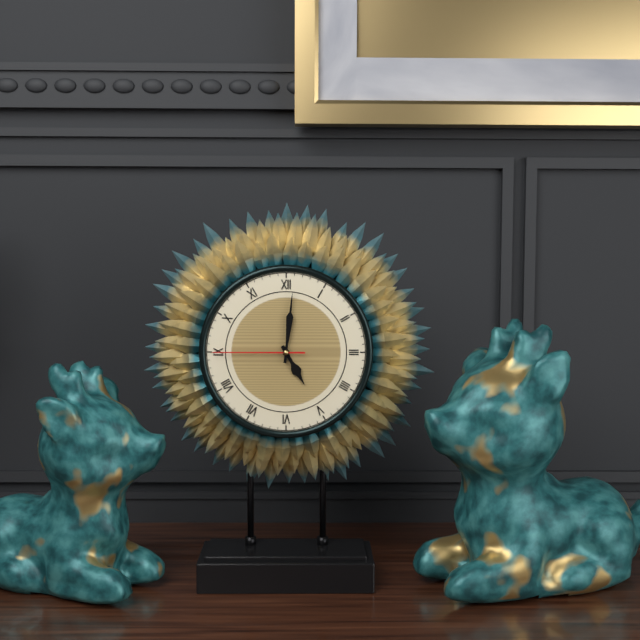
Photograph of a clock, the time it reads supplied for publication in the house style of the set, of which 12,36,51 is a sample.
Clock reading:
5,01,45
